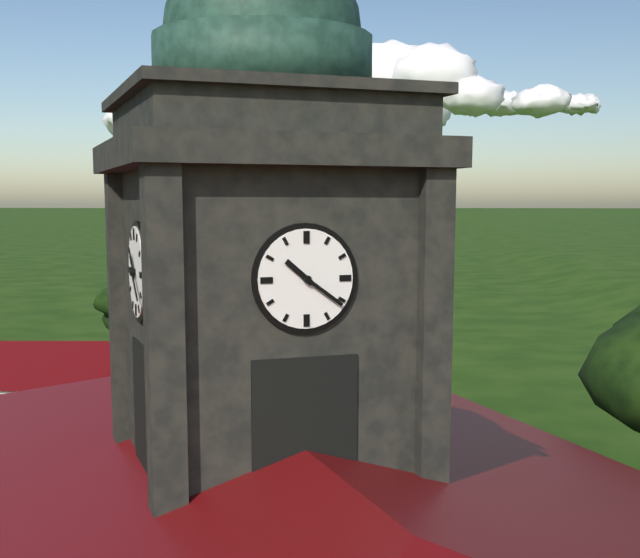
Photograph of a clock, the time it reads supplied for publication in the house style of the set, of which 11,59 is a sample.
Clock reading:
10,21
